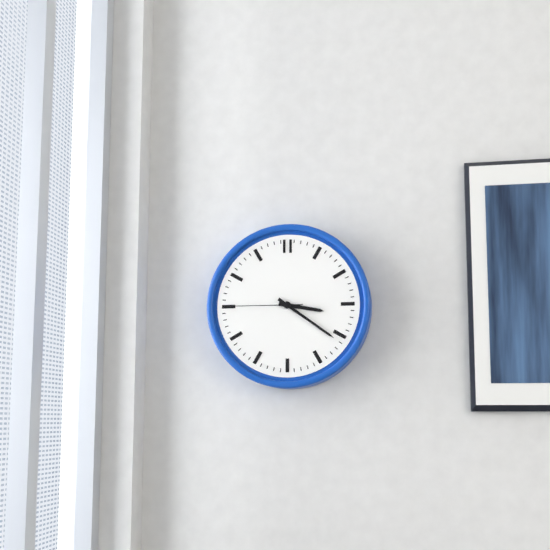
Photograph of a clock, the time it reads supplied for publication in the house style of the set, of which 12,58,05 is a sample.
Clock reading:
3,21,45
